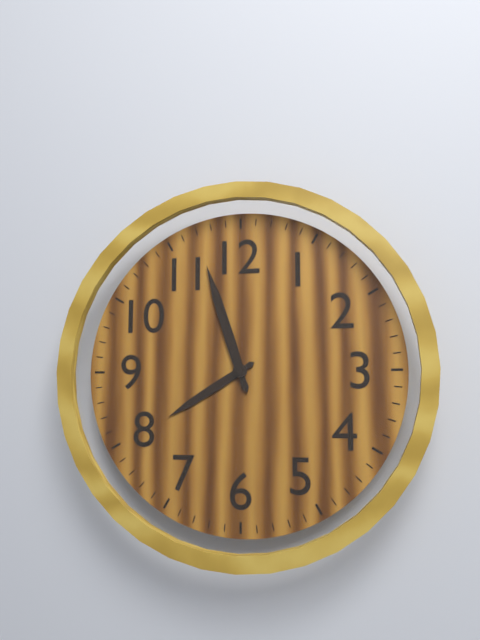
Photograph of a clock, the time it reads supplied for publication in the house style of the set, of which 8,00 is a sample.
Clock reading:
7,57
